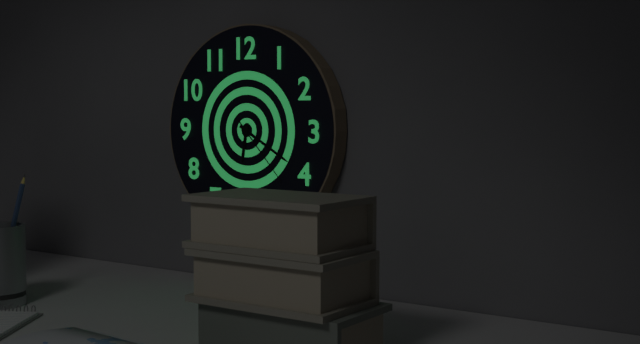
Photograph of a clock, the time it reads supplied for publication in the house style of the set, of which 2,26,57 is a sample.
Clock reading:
6,20,23
